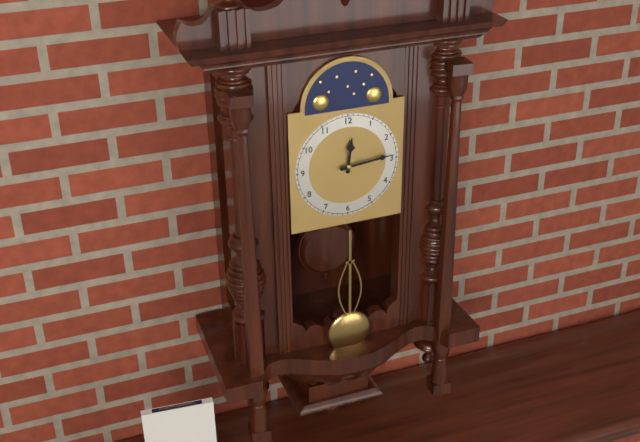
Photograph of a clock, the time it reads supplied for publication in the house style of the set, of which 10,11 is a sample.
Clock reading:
12,14
